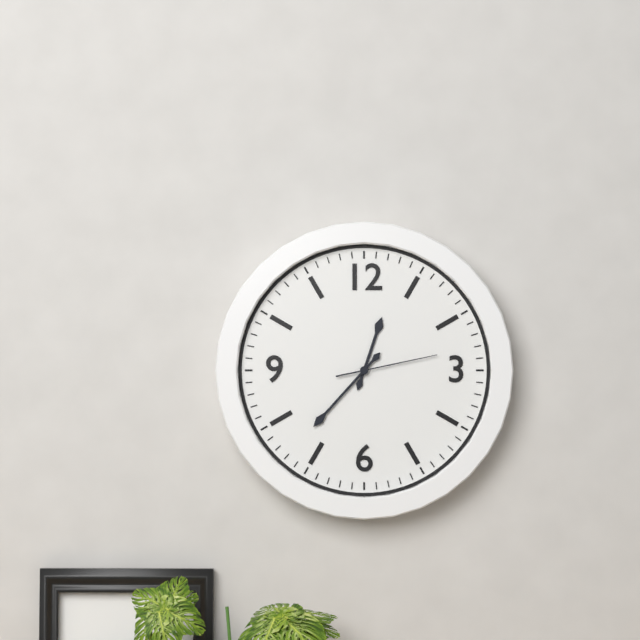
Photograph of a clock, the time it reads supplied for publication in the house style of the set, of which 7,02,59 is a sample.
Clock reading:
12,37,13
